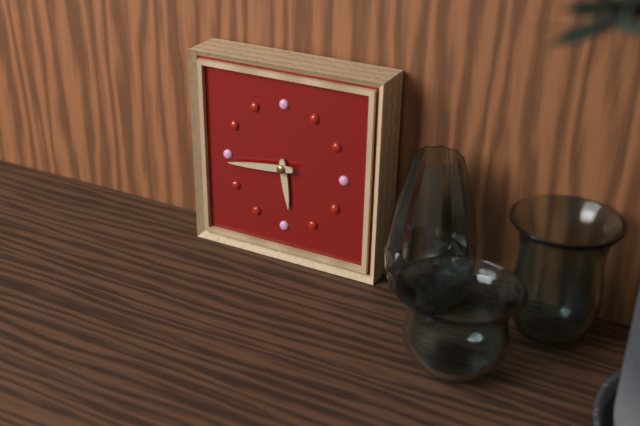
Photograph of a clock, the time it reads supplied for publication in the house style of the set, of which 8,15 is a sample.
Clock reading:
5,44
